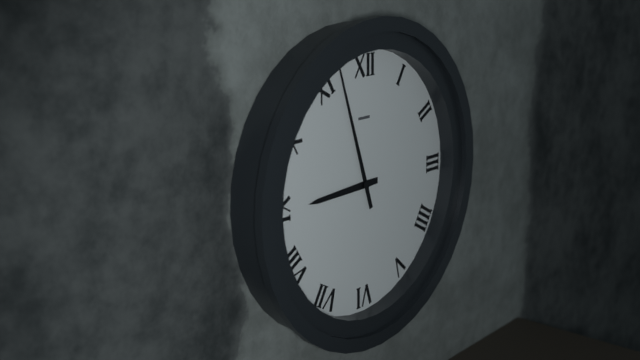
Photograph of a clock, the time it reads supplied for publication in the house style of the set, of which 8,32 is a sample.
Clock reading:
8,57
